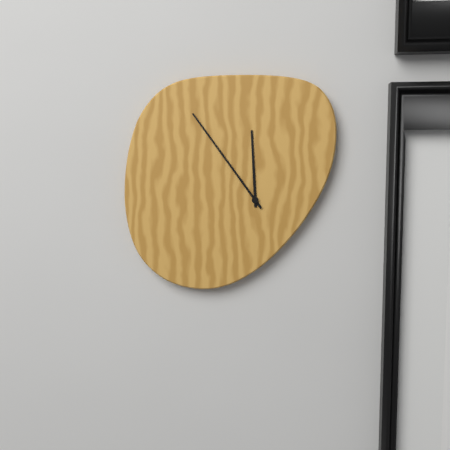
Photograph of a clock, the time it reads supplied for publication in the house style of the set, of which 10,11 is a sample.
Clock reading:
11,54
